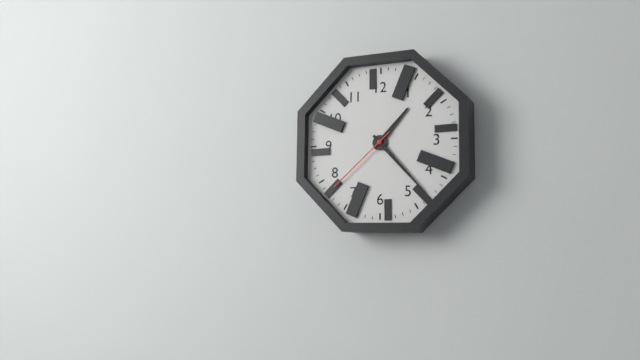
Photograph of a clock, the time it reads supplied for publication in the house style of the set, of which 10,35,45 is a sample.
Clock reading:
1,23,38
